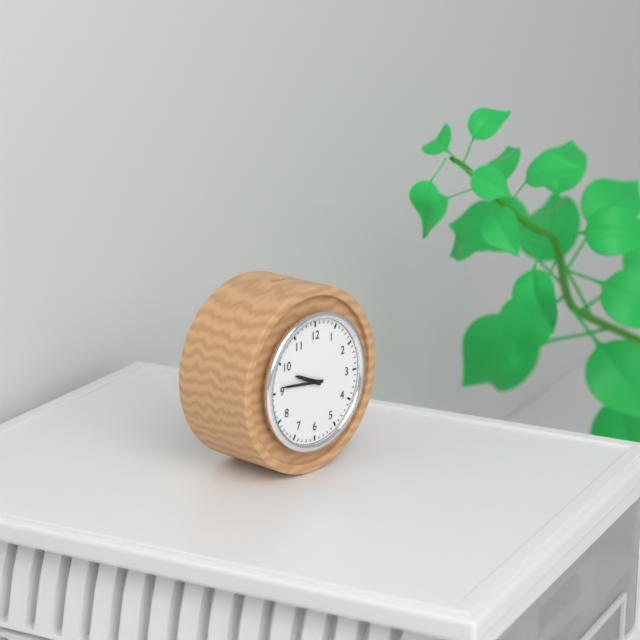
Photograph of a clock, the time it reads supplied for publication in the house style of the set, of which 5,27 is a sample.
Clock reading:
9,46
